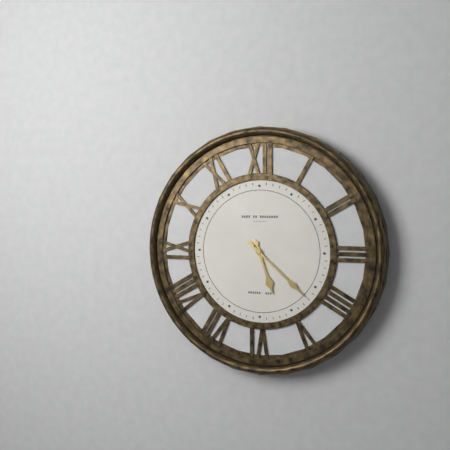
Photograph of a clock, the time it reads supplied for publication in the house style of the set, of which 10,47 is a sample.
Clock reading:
5,22
